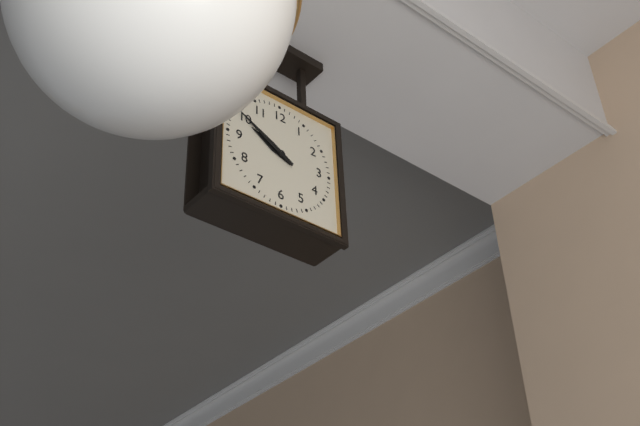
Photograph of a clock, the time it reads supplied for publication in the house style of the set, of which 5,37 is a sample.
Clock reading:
9,50
